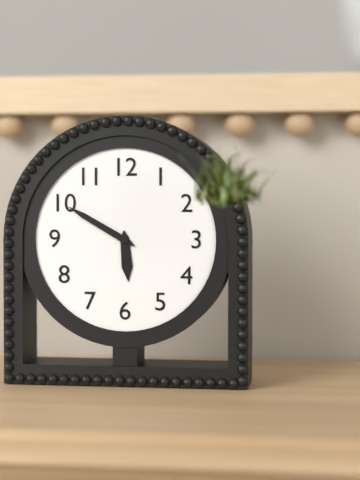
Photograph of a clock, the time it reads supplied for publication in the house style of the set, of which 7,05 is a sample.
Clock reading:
5,50
